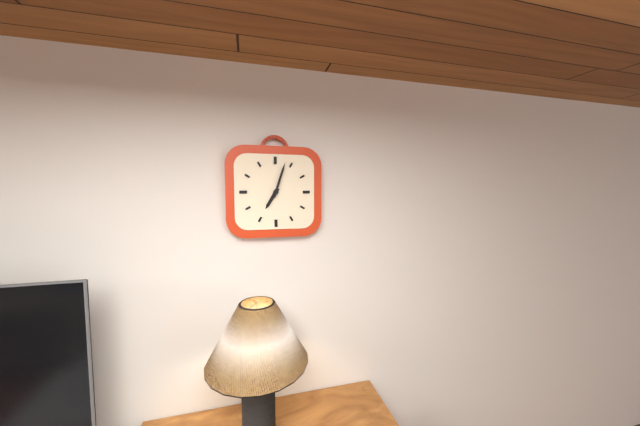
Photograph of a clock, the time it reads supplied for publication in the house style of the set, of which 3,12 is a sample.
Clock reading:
7,03
